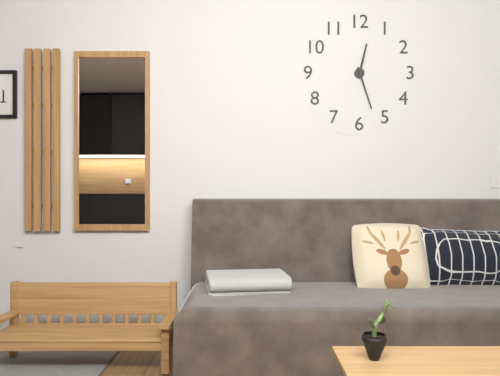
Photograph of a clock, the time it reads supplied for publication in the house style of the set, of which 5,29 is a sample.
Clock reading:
12,27
